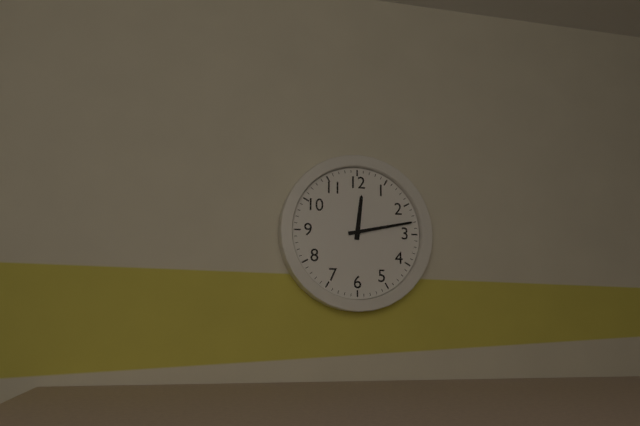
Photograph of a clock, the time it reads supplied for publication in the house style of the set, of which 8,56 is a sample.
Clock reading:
12,13
